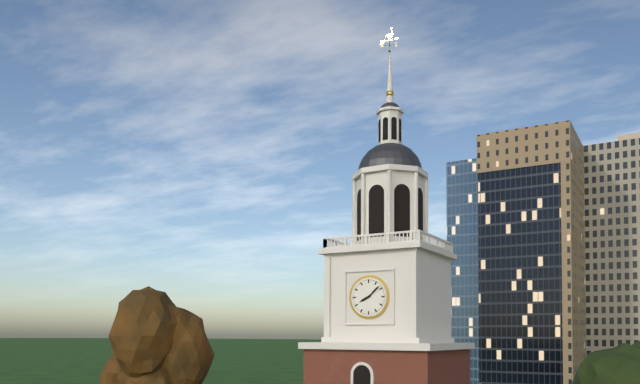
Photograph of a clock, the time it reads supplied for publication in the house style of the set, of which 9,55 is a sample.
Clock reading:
8,08
